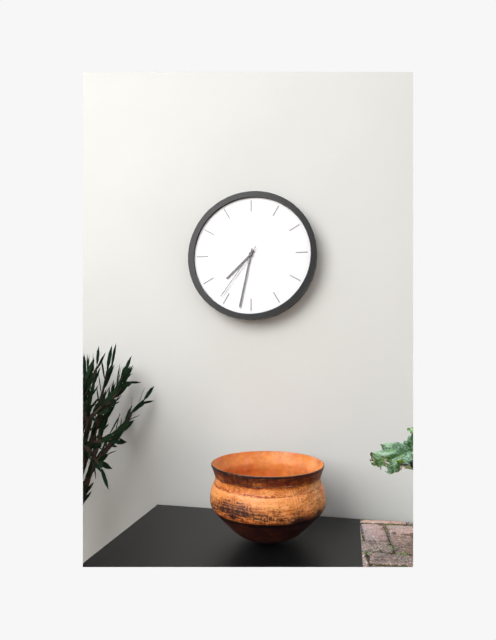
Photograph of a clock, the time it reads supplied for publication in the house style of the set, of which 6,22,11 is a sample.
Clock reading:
7,32,36
